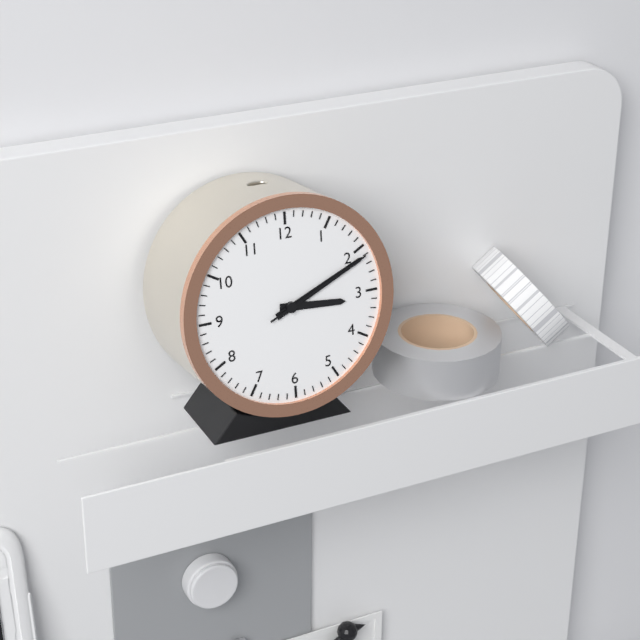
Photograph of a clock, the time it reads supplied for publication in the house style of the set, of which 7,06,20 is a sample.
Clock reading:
3,11,11
